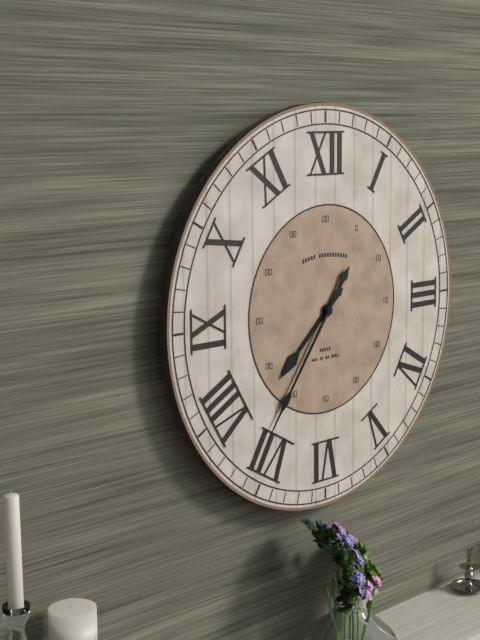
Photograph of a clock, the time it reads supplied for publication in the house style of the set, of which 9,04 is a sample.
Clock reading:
7,36
